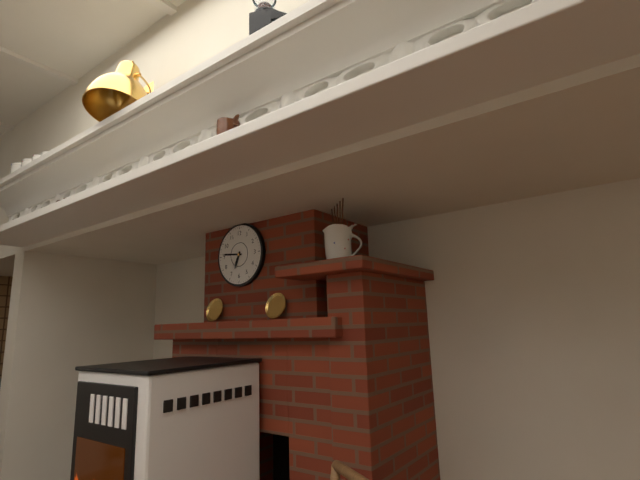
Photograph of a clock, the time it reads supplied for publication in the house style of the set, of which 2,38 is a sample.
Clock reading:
6,46
